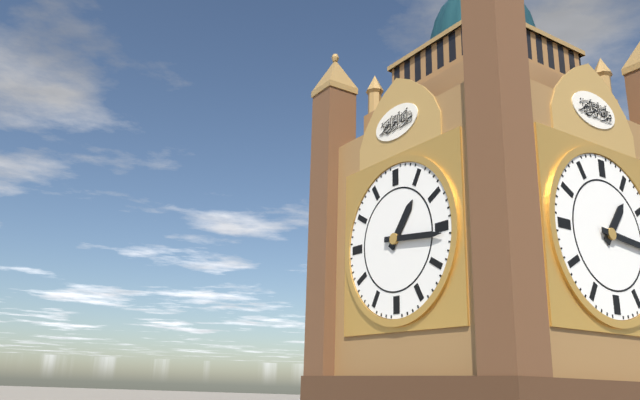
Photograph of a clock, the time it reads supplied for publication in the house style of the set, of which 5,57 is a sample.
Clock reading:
1,16
